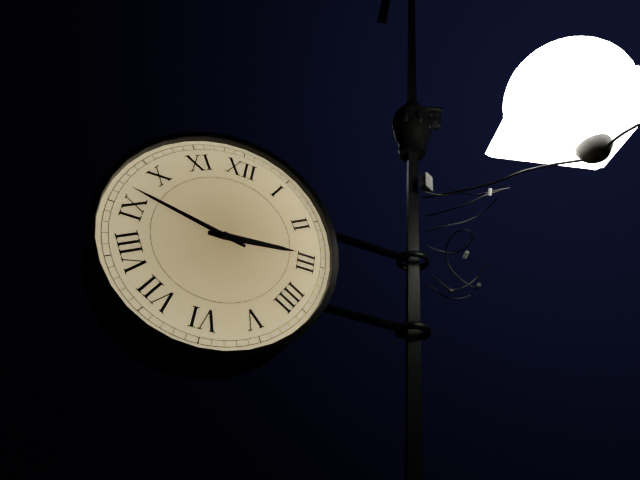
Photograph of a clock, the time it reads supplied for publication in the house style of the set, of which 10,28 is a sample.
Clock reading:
2,47
